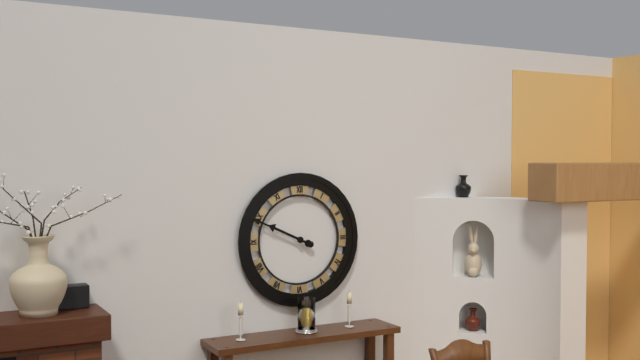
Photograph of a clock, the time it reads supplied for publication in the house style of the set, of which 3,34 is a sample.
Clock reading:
9,49
